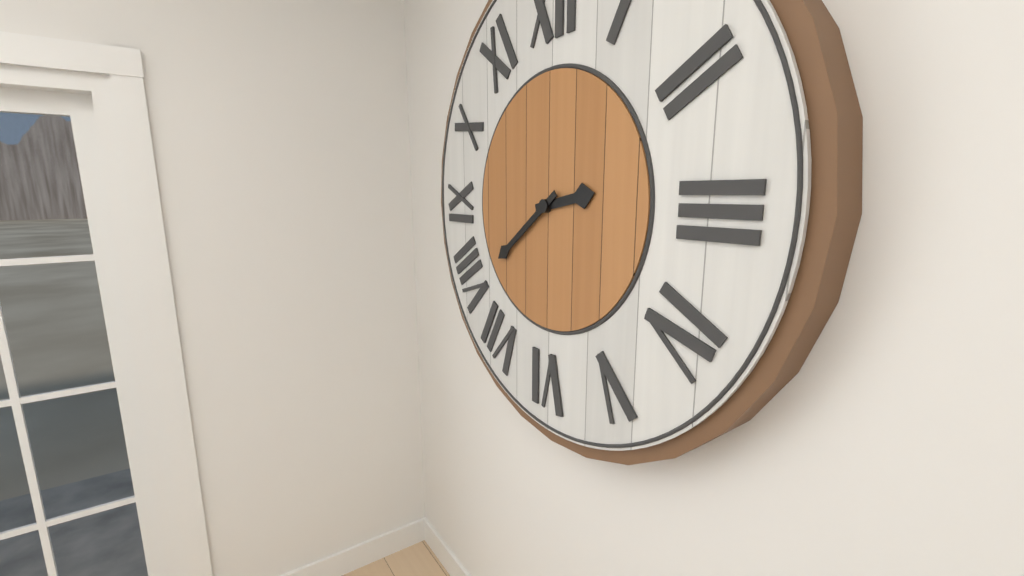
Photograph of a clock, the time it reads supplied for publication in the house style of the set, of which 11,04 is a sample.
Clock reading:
2,39
